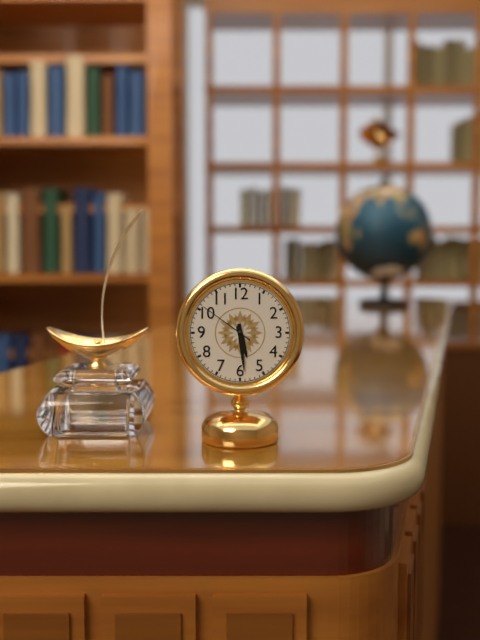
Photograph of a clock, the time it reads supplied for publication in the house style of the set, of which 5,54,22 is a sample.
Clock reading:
5,29,51
